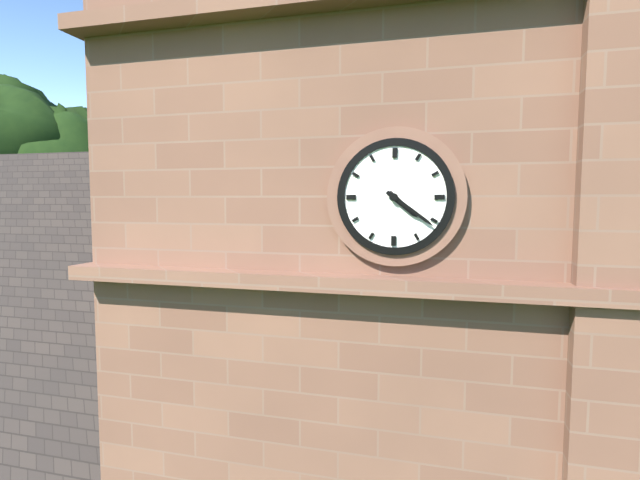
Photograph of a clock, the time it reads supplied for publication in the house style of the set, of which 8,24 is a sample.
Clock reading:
4,21
